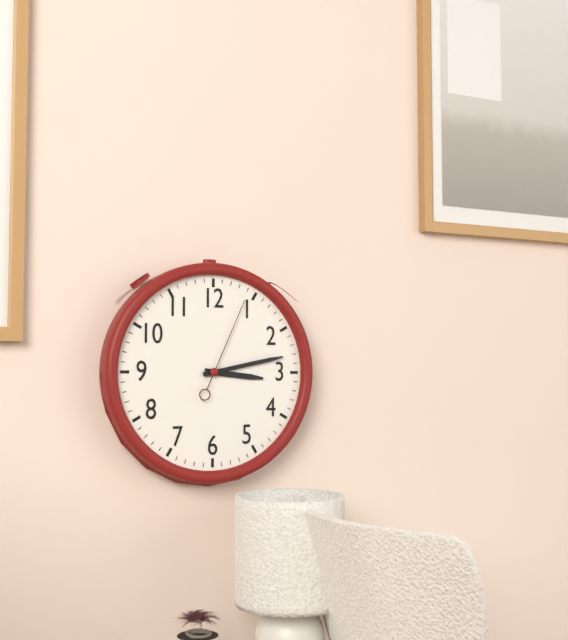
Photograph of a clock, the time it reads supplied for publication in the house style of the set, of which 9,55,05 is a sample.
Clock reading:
3,13,04
